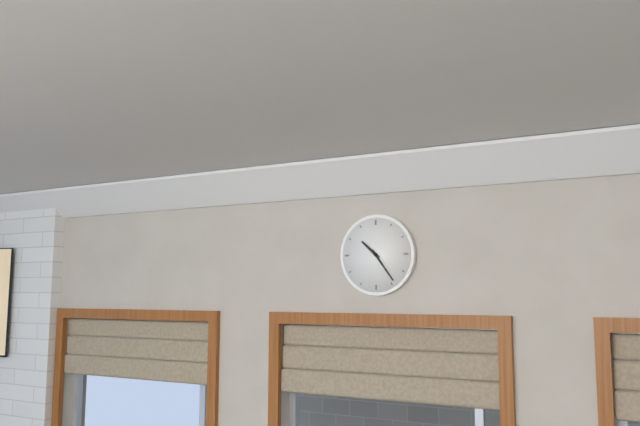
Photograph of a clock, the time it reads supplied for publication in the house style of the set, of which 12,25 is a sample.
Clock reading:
10,24
